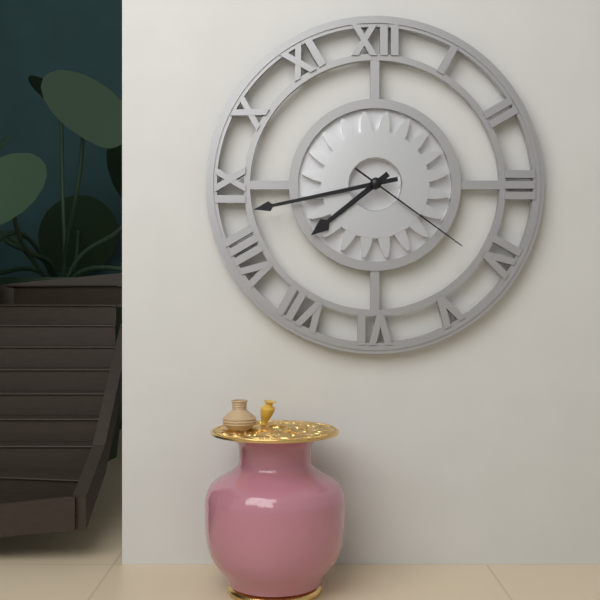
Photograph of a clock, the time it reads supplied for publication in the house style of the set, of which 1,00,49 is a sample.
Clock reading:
7,43,21
